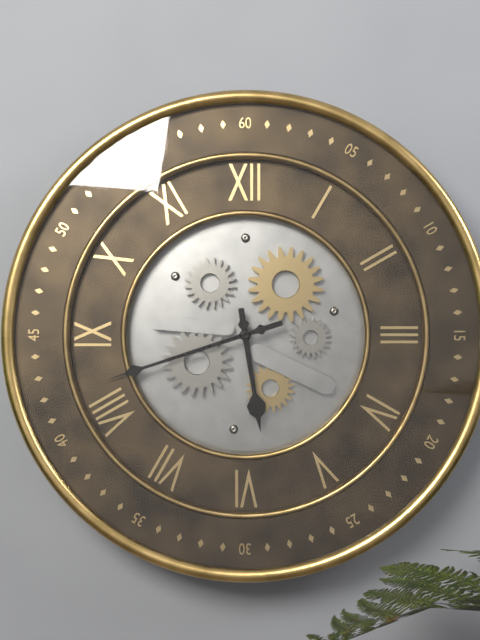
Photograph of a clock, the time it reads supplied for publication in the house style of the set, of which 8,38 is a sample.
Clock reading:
5,42
